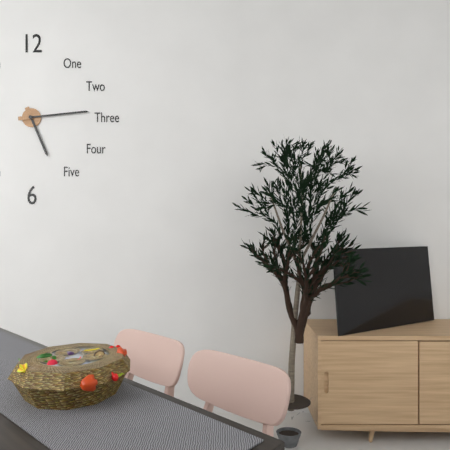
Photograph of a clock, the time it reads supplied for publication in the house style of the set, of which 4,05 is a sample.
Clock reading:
5,14
